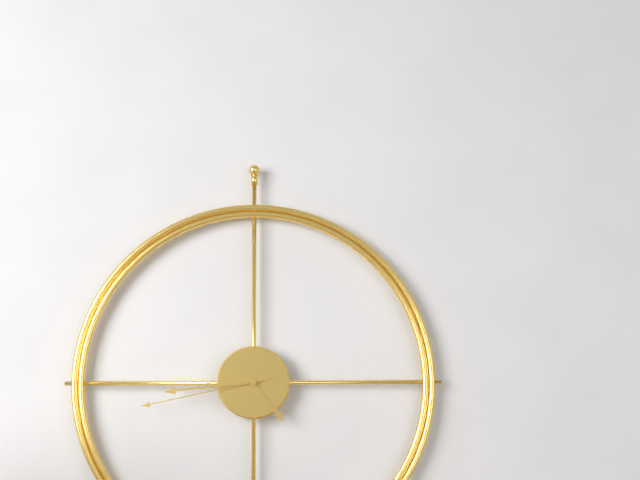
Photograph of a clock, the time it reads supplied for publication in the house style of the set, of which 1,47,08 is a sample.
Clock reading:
4,44,43
